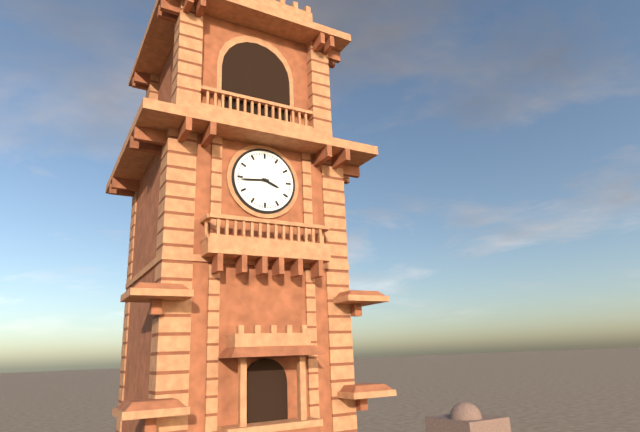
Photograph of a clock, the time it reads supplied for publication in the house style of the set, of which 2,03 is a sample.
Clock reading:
3,44
